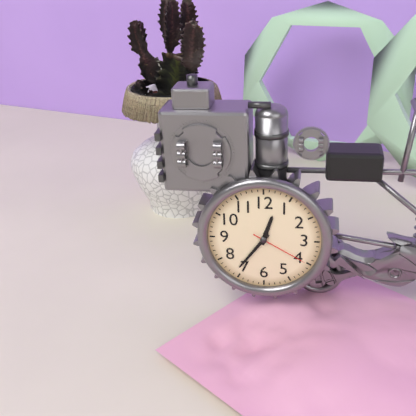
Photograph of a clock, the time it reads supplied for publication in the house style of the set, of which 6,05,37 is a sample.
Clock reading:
12,36,20
